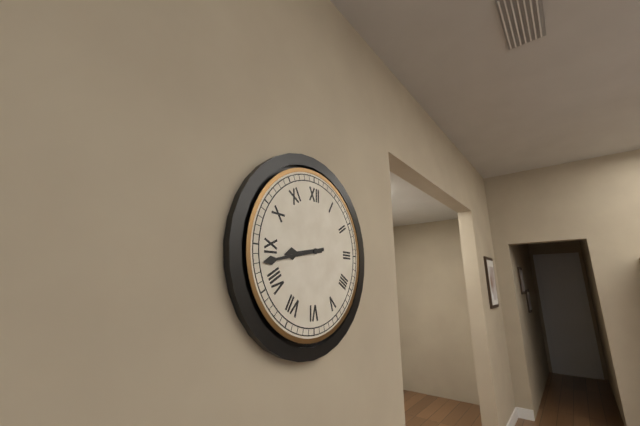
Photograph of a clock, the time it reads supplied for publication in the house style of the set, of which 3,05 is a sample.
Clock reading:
8,43
